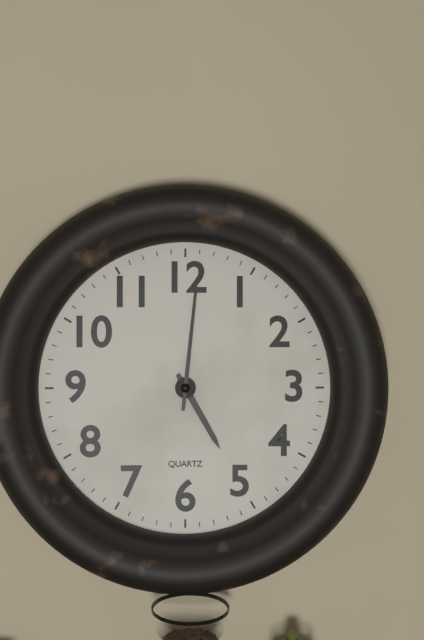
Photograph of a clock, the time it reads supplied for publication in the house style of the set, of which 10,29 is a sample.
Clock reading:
5,01
